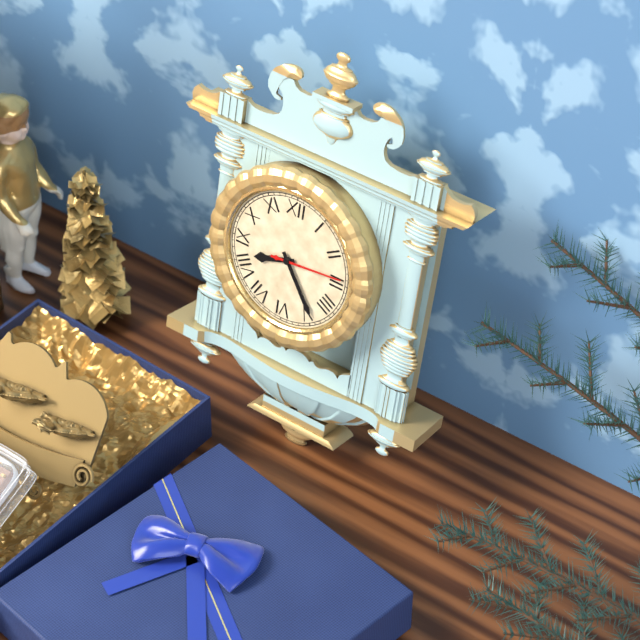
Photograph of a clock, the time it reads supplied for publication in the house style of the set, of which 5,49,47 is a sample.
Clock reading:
8,24,14
